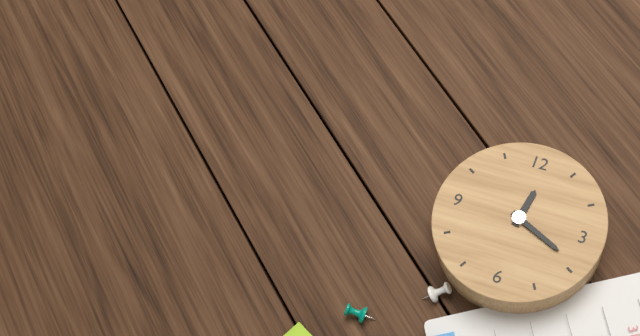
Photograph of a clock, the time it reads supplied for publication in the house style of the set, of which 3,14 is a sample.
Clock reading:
12,19
